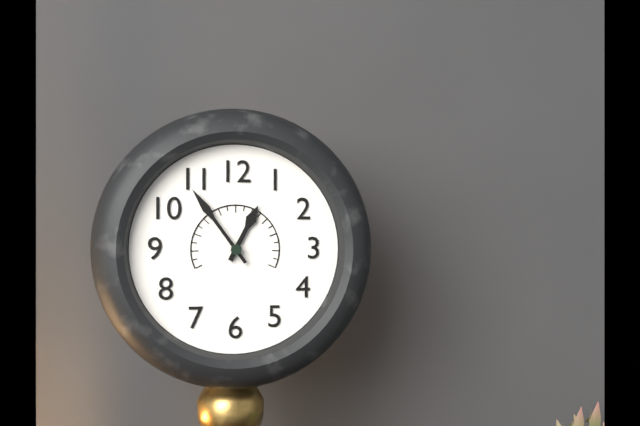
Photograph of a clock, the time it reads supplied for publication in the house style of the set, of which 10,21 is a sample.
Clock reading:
12,54
